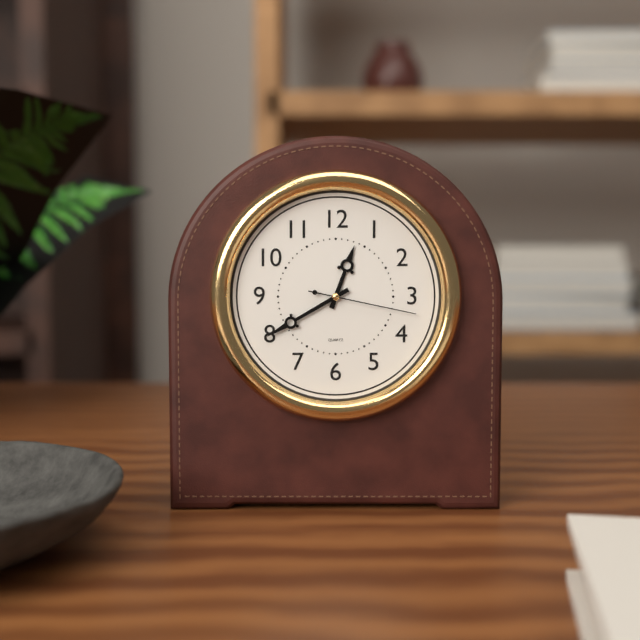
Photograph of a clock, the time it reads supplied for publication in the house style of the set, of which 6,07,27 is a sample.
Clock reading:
12,40,17
